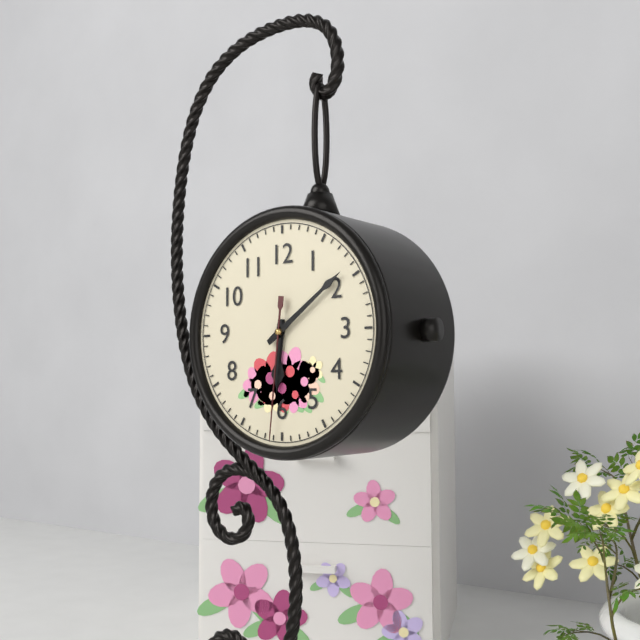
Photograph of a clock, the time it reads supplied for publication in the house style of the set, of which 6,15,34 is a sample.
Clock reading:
6,09,31
